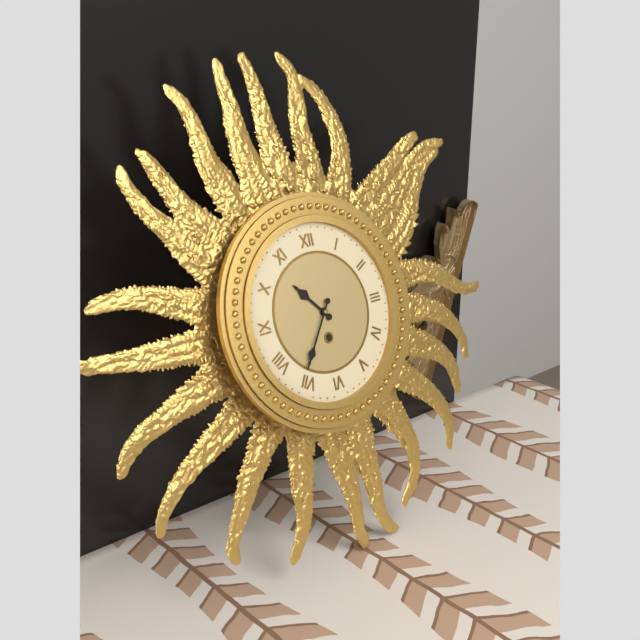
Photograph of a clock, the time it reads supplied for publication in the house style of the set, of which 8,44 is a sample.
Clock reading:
10,36
